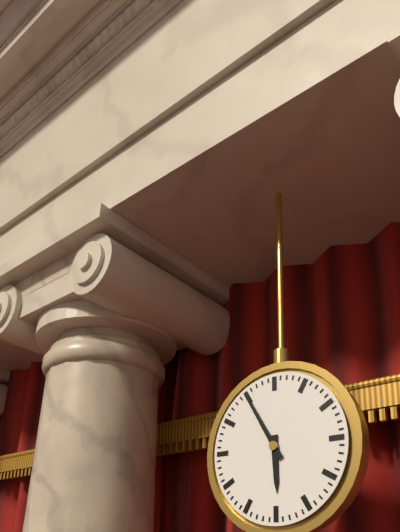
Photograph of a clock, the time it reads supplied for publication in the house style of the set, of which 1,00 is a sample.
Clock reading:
5,55
